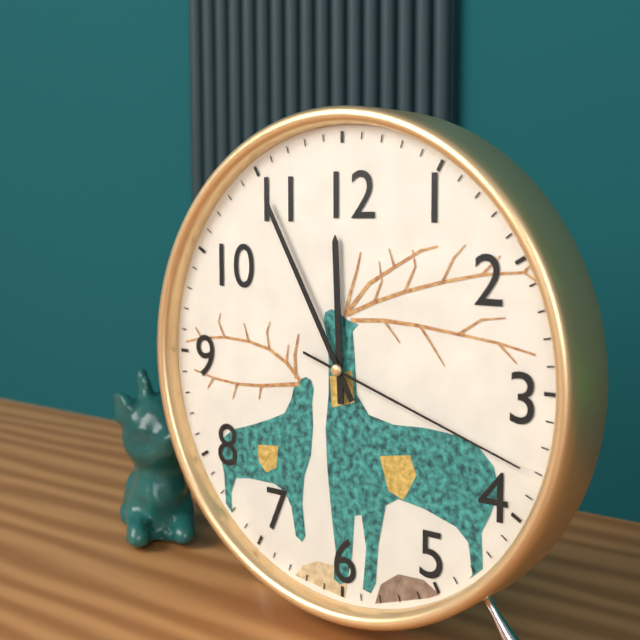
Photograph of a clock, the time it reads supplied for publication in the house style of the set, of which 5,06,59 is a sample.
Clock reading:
11,55,18
